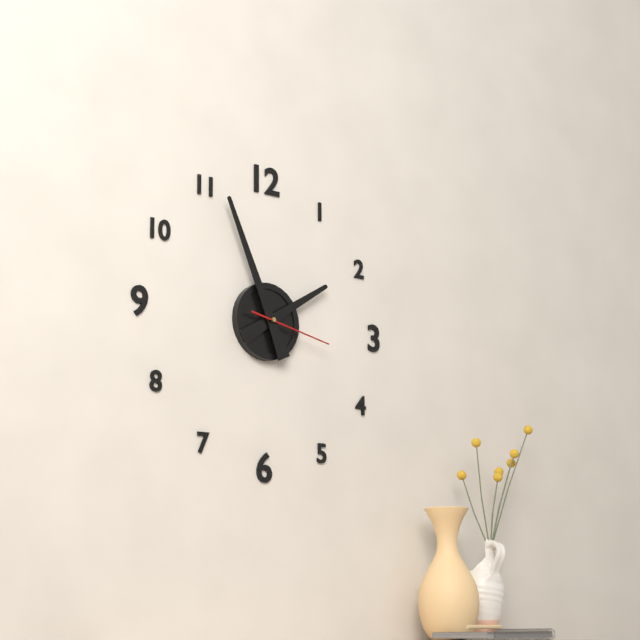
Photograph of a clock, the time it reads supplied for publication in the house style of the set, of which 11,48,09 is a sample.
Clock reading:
1,56,17
